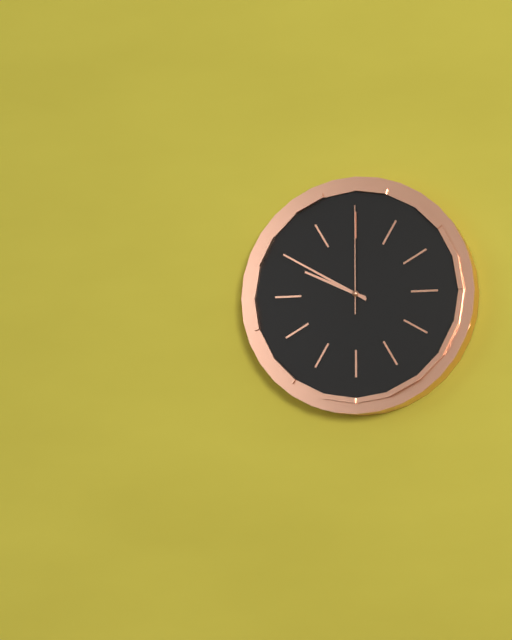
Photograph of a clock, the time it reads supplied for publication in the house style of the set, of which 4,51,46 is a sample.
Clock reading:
9,50,00
